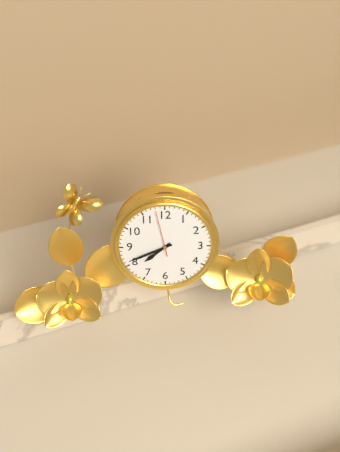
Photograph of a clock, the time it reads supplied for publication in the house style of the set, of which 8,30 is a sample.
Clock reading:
7,41
